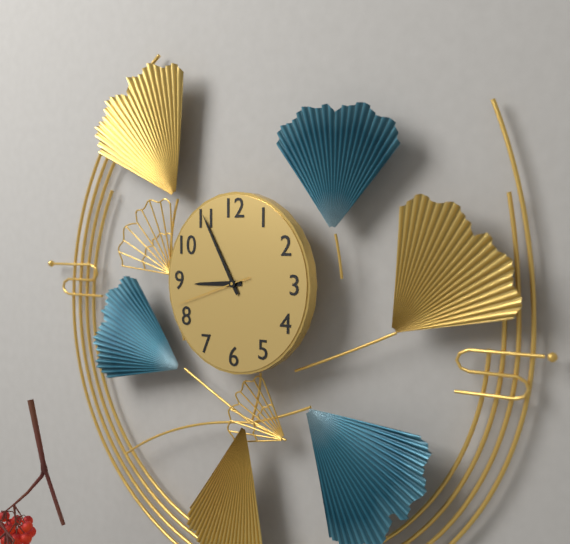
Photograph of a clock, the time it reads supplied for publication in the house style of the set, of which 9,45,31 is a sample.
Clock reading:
8,55,42
